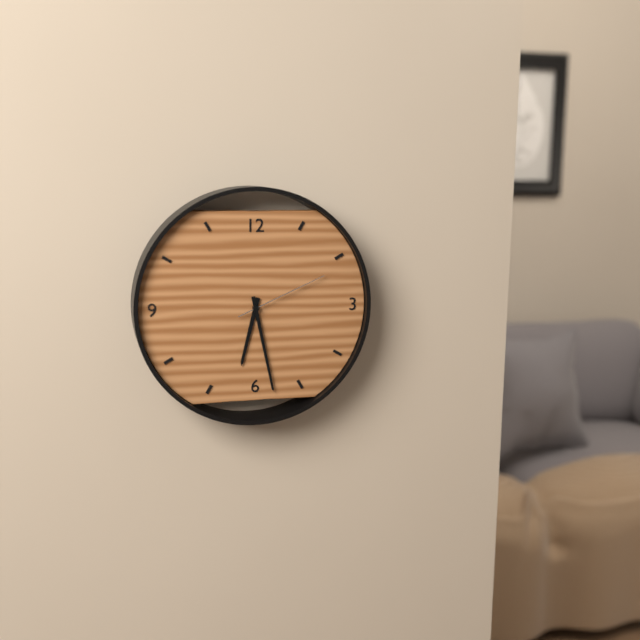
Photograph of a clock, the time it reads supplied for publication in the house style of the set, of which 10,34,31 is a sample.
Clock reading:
6,28,11
